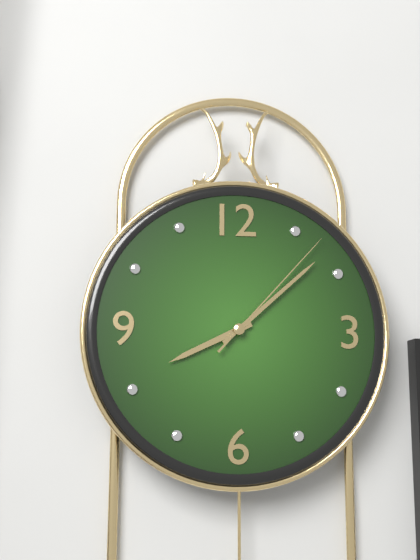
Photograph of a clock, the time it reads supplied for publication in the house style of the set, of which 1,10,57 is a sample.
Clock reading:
8,08,07
